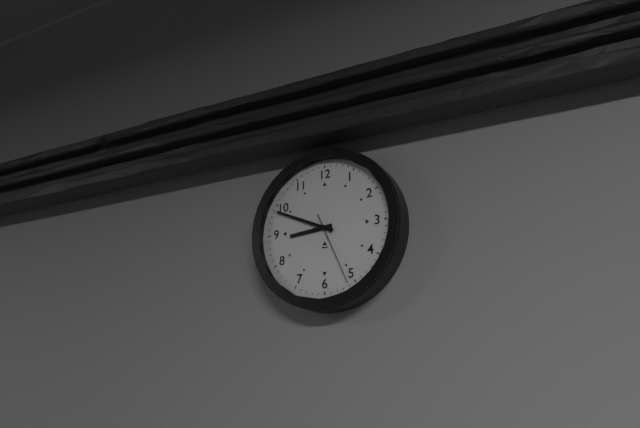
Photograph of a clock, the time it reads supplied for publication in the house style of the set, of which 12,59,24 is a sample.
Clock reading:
8,49,26
